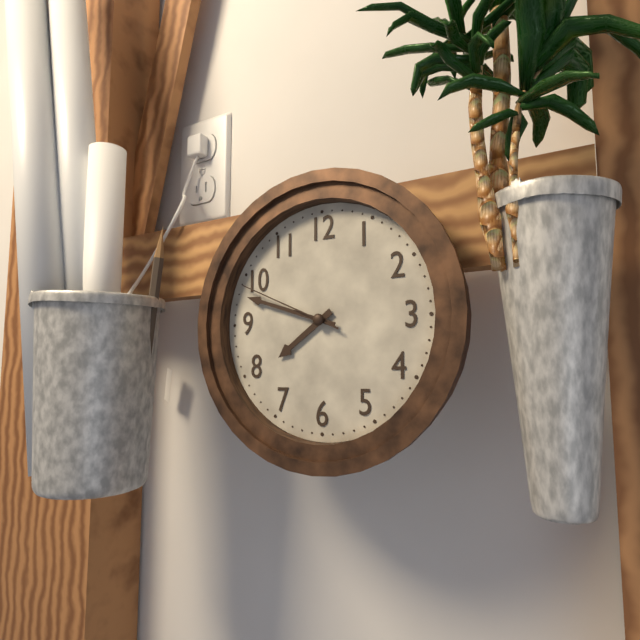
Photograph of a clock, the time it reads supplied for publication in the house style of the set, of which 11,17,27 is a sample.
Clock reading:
7,48,49
